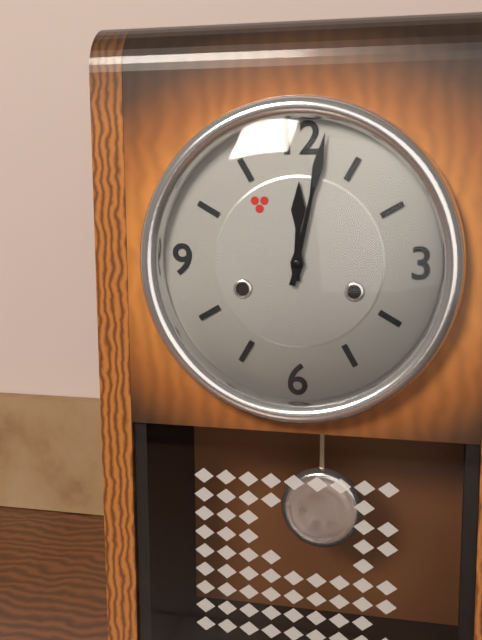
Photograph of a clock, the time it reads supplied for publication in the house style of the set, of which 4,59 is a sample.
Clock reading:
12,02
